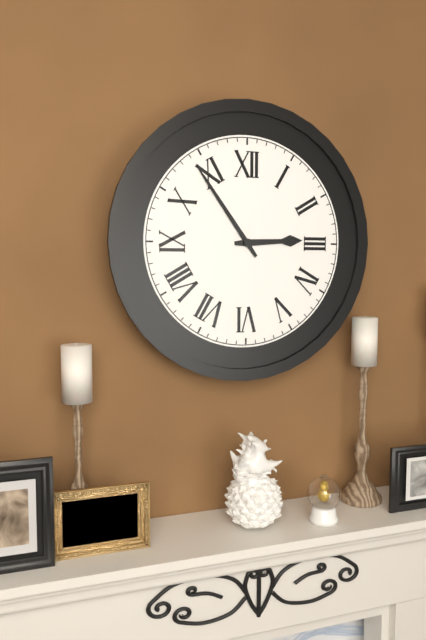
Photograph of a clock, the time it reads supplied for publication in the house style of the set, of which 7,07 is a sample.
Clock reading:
2,54
